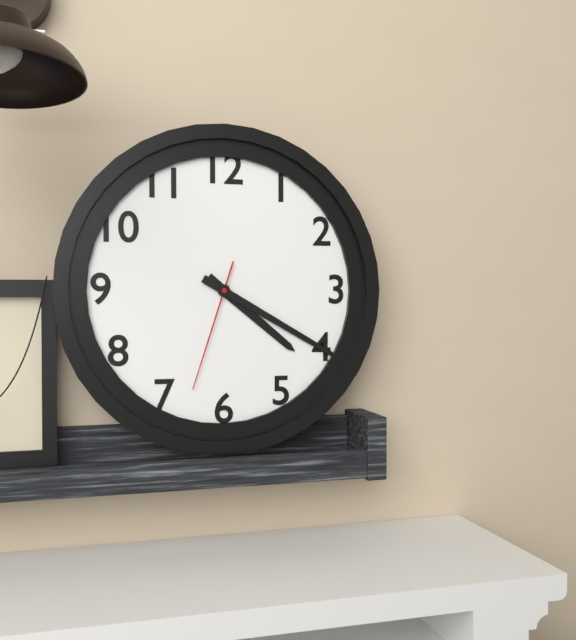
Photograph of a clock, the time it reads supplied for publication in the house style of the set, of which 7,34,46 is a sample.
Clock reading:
4,20,33
